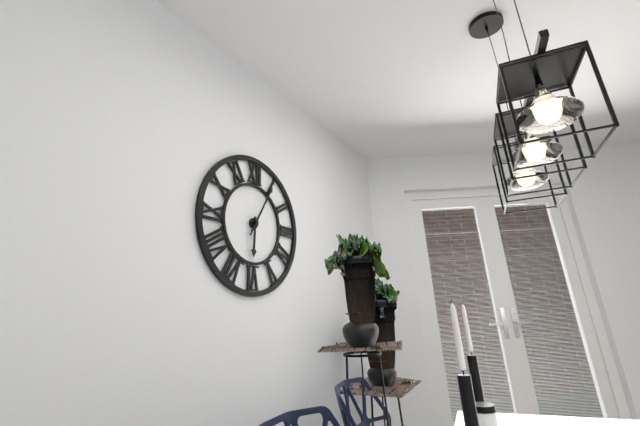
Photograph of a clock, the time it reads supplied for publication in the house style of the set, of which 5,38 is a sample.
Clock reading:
6,05
